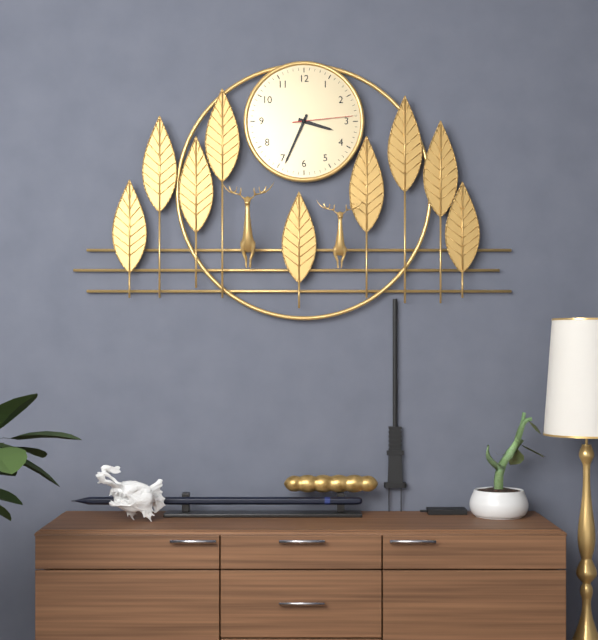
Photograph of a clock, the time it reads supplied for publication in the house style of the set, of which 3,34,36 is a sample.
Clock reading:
3,34,14
